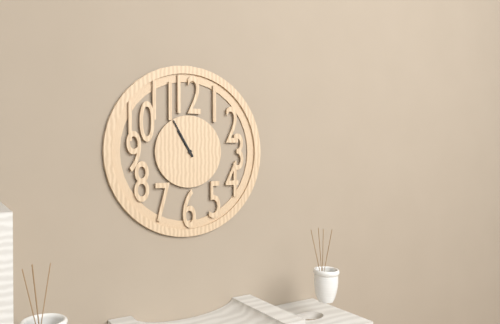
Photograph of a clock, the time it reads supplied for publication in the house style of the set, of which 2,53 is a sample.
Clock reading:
10,55
